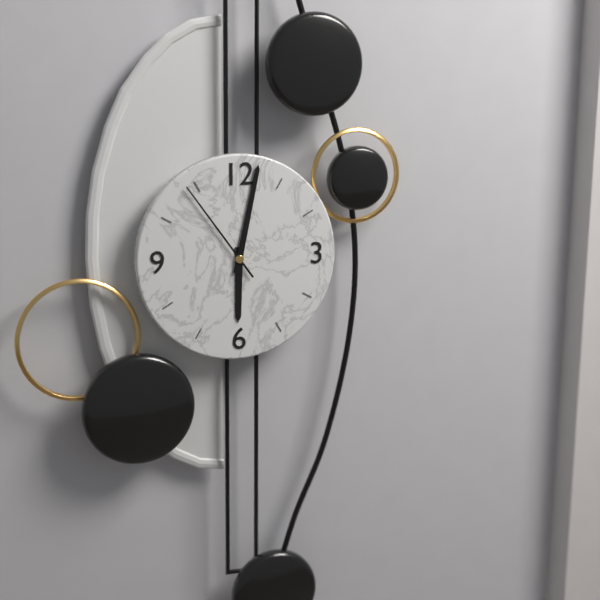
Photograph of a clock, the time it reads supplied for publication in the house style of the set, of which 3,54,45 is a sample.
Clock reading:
6,02,54
